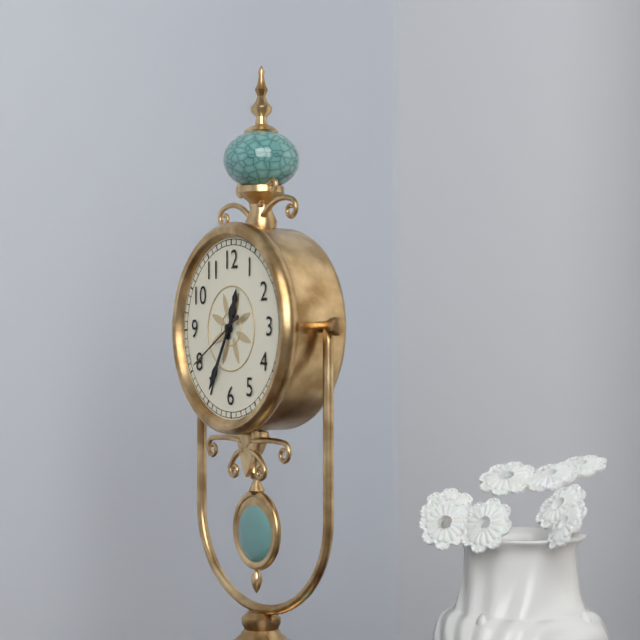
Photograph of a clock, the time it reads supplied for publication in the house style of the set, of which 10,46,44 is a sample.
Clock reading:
12,35,40
